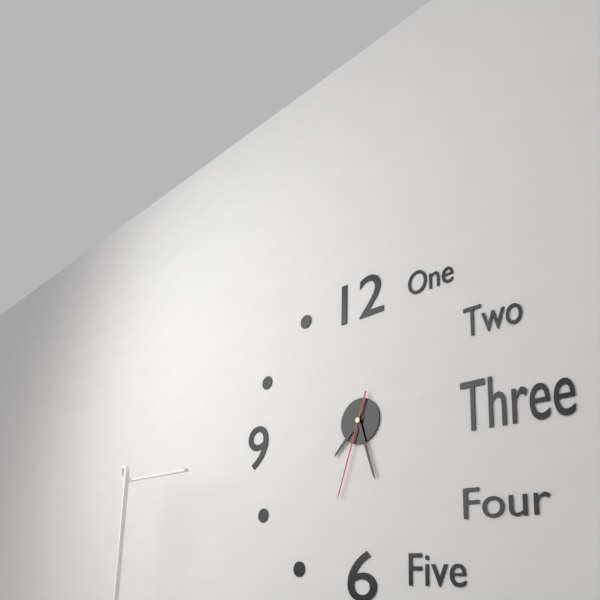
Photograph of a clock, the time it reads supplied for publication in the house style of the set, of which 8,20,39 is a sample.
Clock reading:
7,27,33
